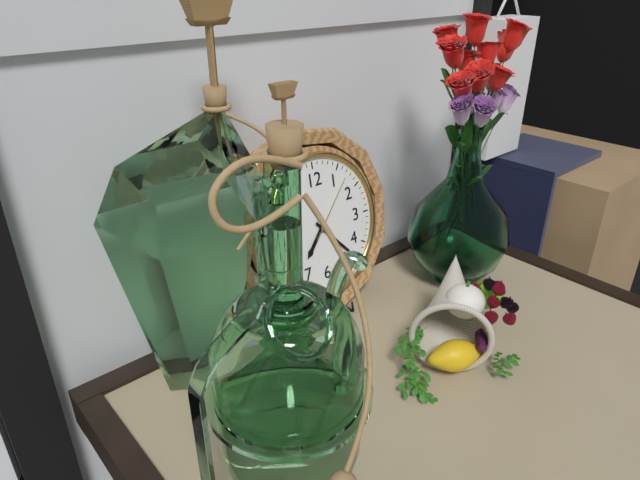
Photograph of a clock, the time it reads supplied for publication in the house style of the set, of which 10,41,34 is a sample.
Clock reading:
7,23,07
